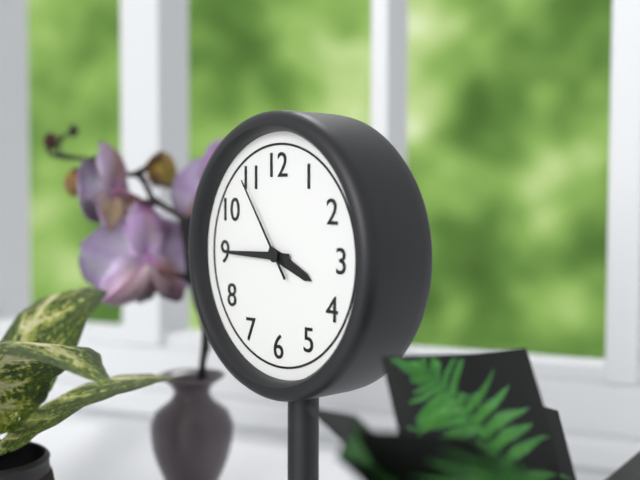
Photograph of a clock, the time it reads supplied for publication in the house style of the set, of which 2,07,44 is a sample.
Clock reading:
3,45,54
